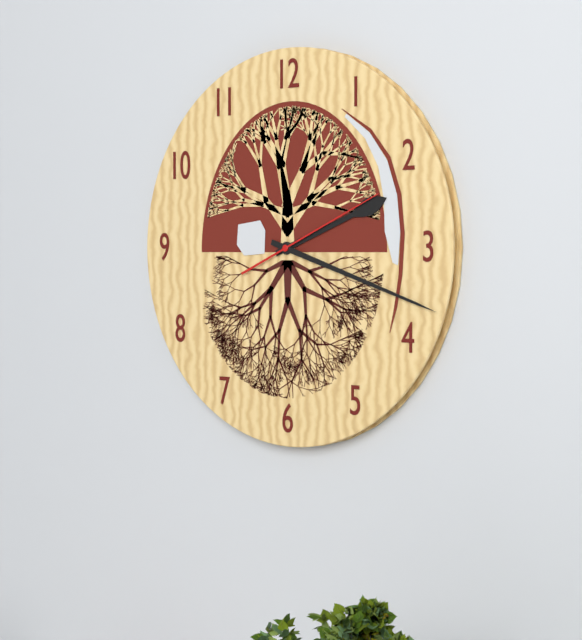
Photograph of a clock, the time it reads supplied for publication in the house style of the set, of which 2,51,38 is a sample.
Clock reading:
2,18,11
